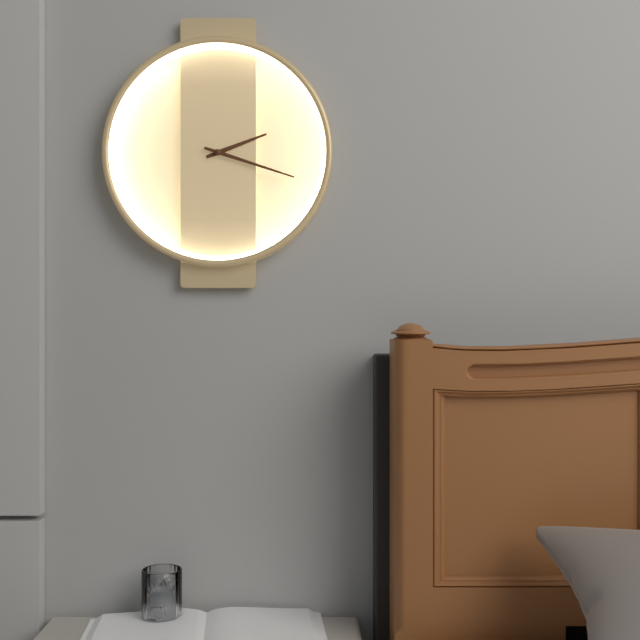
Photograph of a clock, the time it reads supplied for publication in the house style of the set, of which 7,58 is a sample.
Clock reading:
2,18
